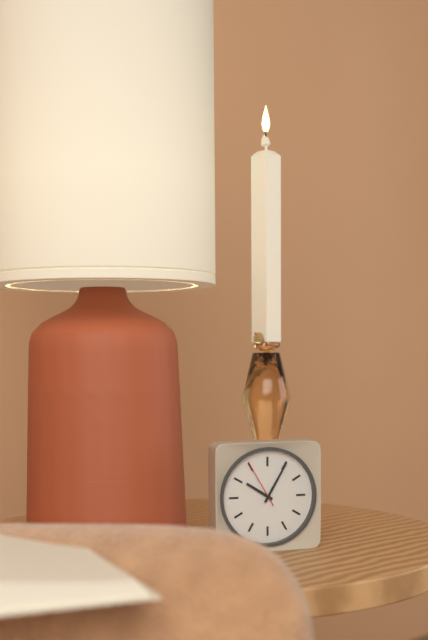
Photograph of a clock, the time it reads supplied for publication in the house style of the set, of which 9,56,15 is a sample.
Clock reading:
10,05,55
